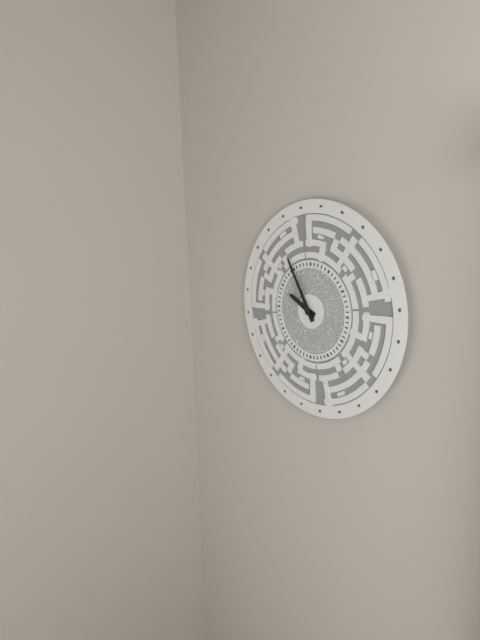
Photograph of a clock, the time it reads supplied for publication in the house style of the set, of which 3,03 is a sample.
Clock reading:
9,55
